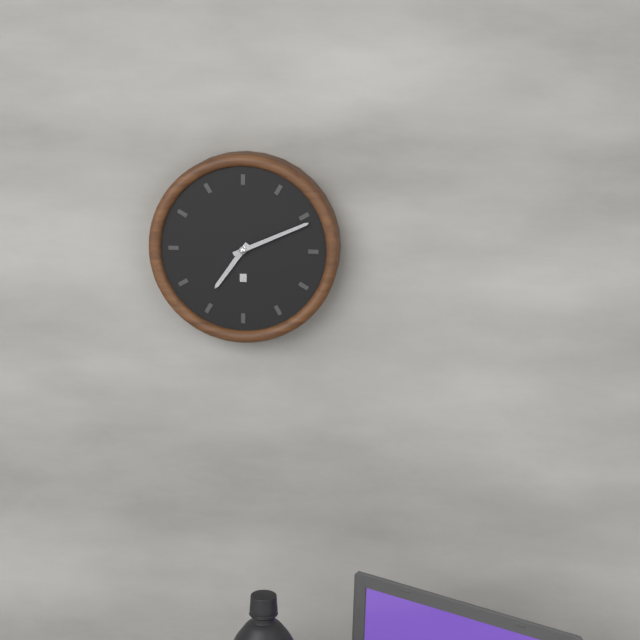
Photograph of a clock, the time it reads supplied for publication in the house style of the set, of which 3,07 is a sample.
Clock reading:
7,11
